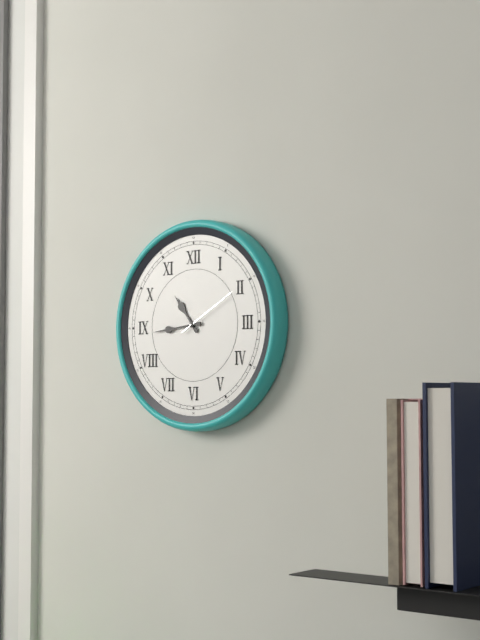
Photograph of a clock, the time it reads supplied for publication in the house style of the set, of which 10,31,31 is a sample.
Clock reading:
10,44,10
